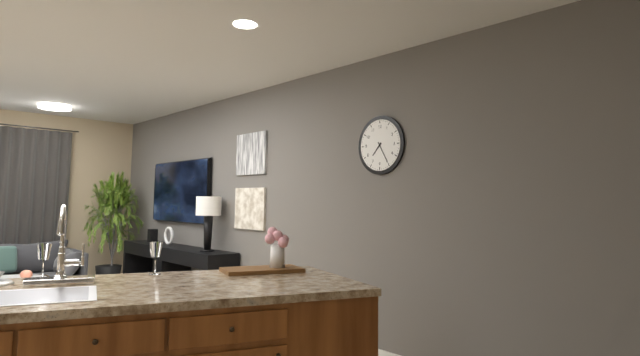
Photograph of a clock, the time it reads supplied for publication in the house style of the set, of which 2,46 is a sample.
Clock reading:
7,25
